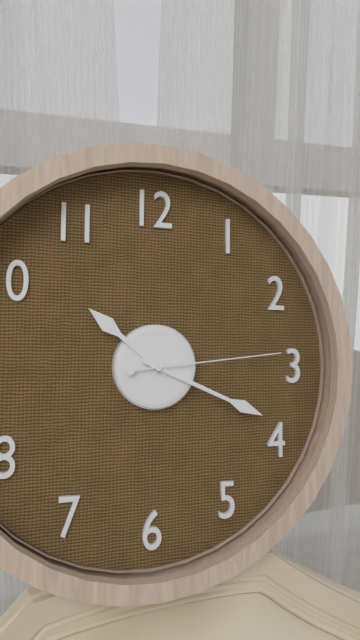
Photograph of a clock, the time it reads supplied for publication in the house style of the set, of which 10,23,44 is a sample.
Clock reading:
10,19,14
